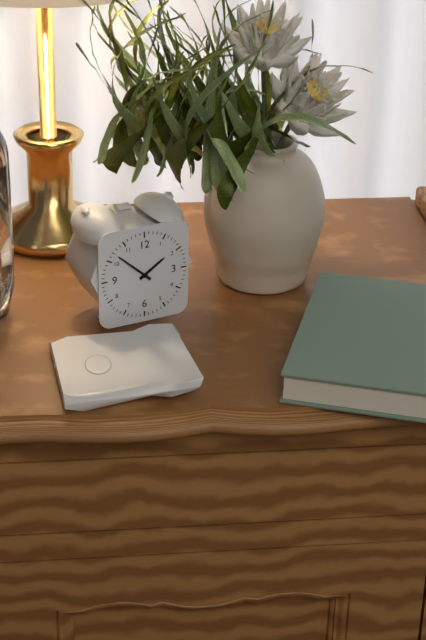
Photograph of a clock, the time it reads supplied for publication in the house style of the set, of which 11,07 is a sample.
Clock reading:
1,52
